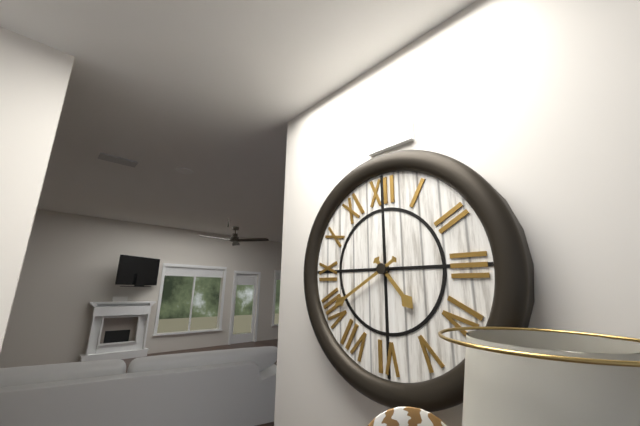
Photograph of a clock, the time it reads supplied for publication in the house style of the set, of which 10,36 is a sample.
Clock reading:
4,40
